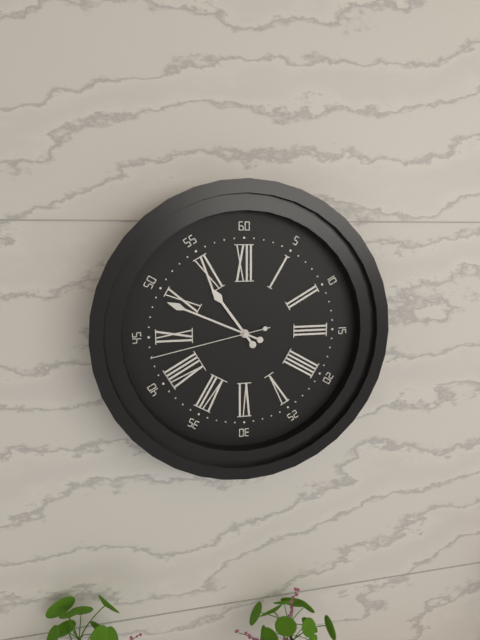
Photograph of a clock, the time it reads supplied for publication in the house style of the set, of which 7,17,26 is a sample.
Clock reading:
10,49,43
